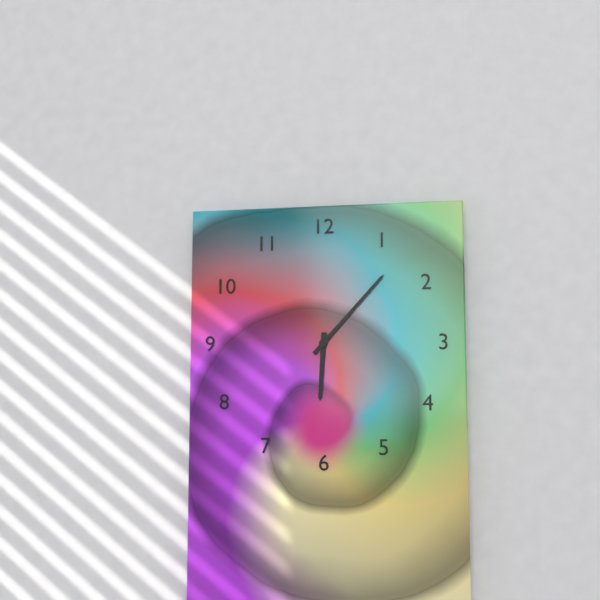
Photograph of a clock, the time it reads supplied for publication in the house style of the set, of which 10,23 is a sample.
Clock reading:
6,07
